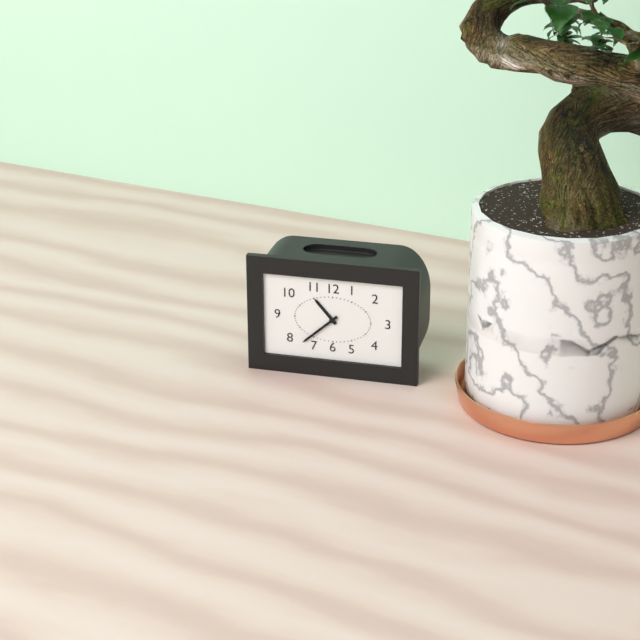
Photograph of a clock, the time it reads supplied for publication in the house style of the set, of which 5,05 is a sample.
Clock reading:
10,38
